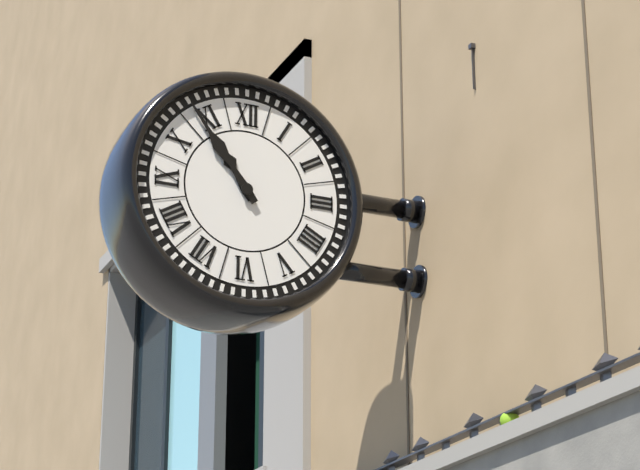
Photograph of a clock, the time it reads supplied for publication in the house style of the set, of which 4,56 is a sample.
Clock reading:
10,54
